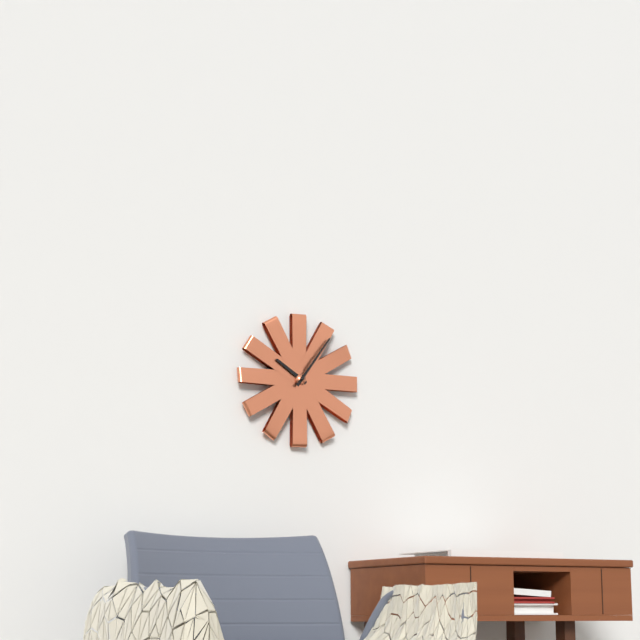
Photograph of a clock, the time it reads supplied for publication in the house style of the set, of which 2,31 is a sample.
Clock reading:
10,06
